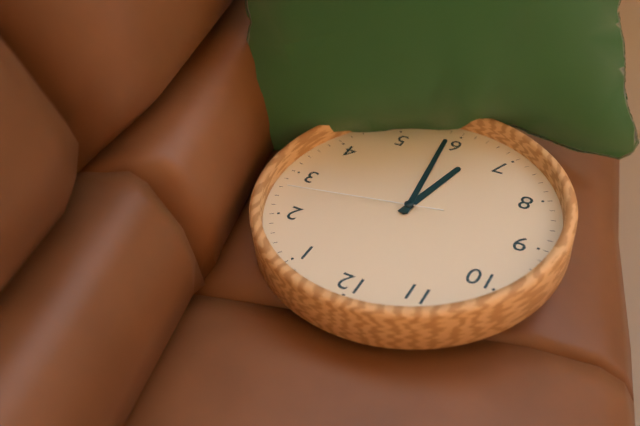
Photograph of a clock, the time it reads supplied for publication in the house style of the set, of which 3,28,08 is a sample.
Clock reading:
6,29,13
